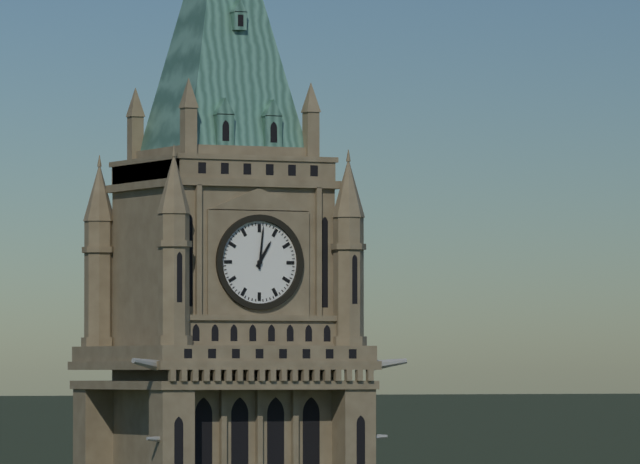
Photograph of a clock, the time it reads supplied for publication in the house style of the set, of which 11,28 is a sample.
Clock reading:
1,01
